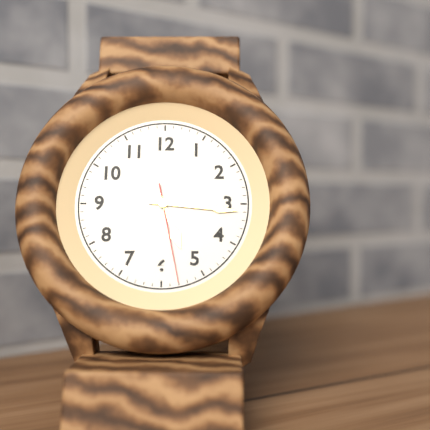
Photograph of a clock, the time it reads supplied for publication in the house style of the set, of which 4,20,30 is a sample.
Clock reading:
5,16,28
